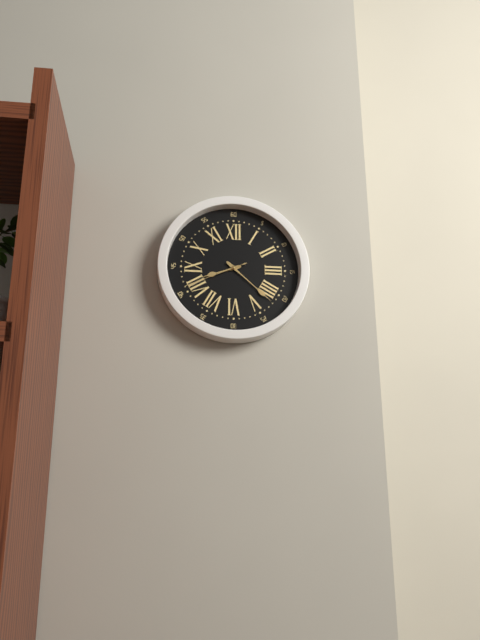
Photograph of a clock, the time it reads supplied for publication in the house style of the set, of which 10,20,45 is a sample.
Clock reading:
8,22,41
